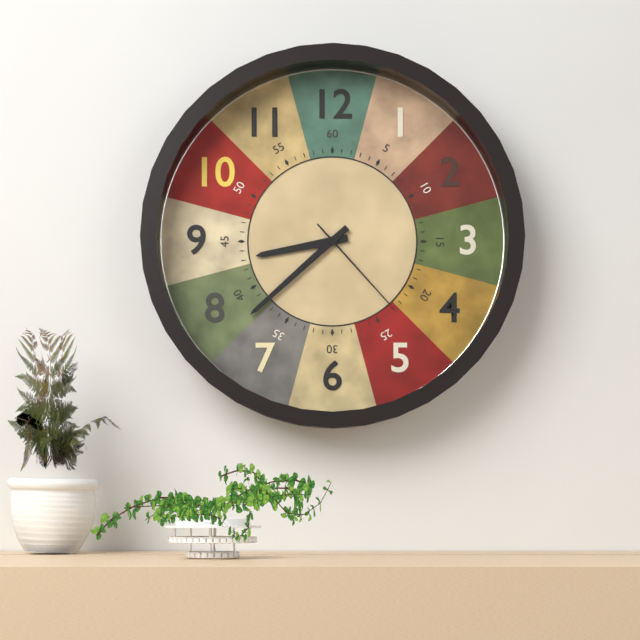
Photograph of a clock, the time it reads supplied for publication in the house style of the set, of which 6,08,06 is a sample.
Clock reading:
8,38,23
